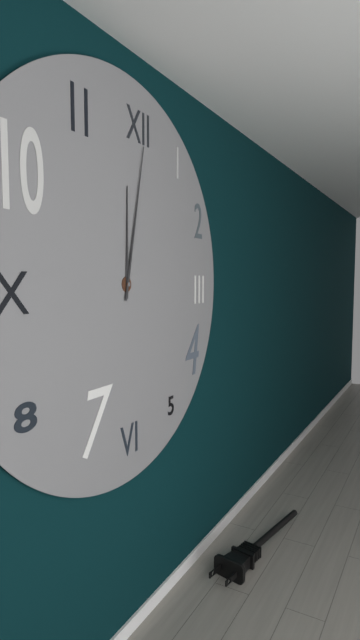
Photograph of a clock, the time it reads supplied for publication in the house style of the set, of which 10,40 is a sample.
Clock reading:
12,02
